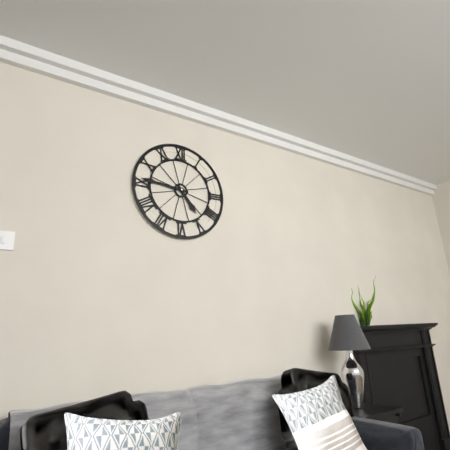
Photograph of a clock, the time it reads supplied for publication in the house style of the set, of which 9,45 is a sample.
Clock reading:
4,46
